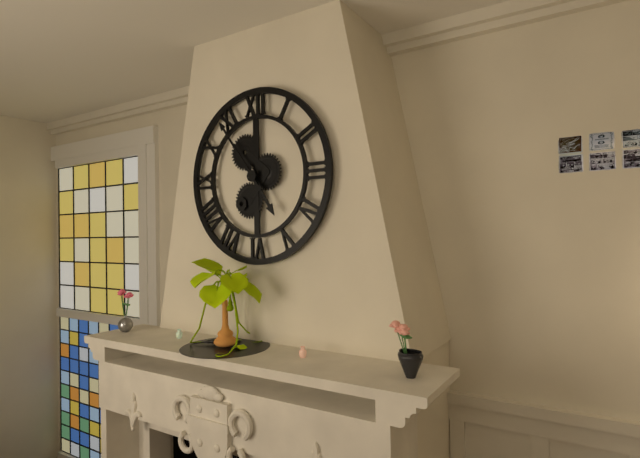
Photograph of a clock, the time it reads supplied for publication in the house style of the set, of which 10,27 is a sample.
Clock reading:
4,54
